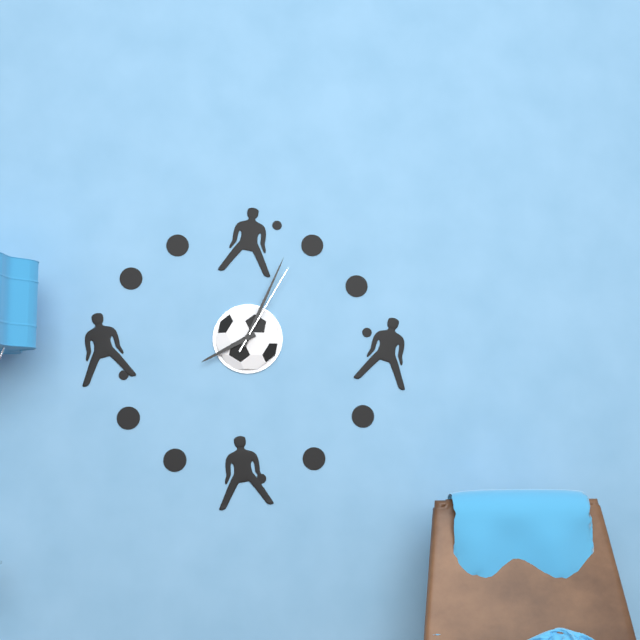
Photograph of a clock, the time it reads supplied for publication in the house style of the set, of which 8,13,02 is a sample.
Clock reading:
8,04,05
